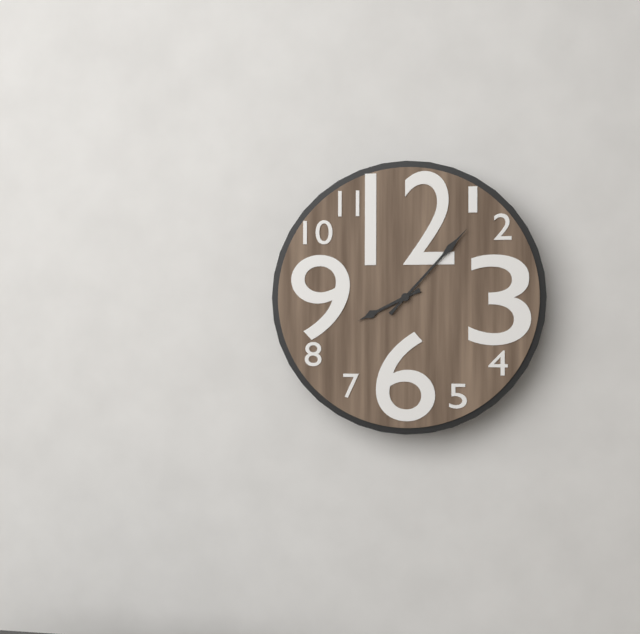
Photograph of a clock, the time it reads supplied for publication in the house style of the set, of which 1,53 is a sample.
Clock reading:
8,07
